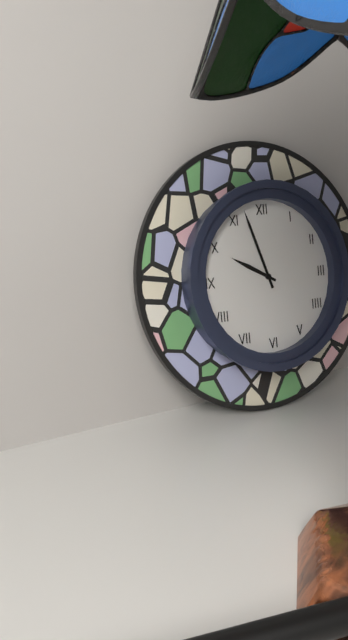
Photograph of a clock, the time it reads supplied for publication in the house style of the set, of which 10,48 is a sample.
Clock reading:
9,57
